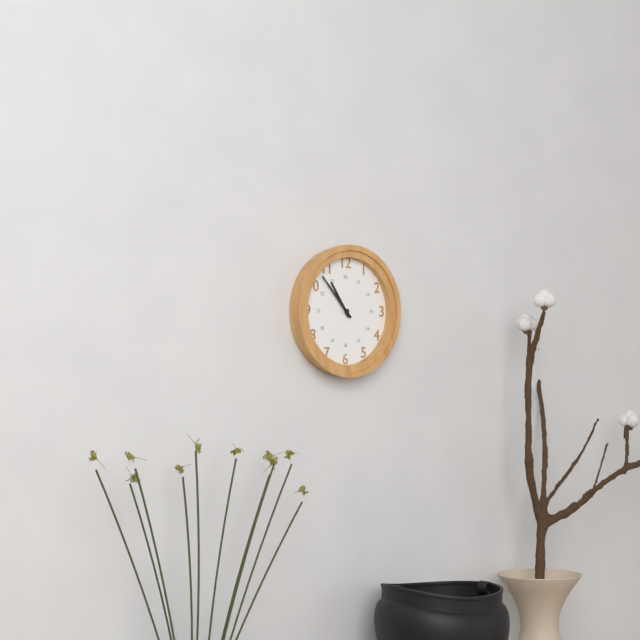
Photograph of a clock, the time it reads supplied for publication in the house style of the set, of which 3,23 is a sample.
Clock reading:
10,53
